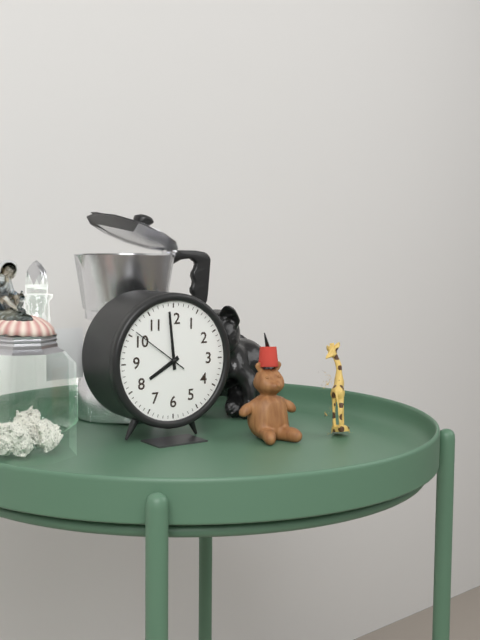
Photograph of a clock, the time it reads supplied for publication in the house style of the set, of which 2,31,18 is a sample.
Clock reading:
7,59,51
